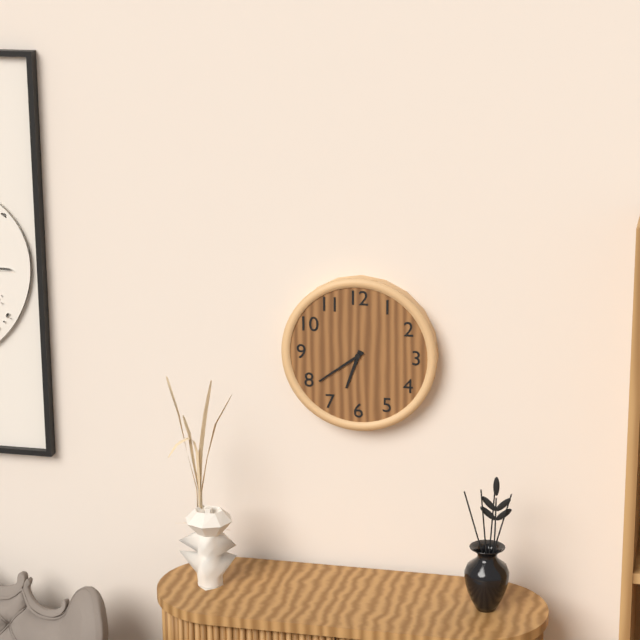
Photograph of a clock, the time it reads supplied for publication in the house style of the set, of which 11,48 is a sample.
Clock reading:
6,39
